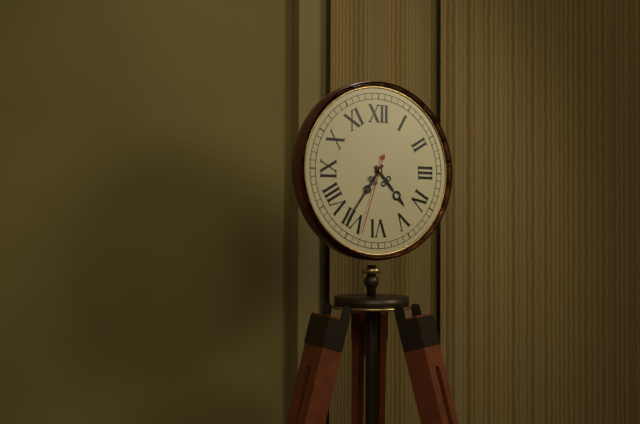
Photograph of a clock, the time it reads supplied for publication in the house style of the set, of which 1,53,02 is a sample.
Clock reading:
4,36,33
